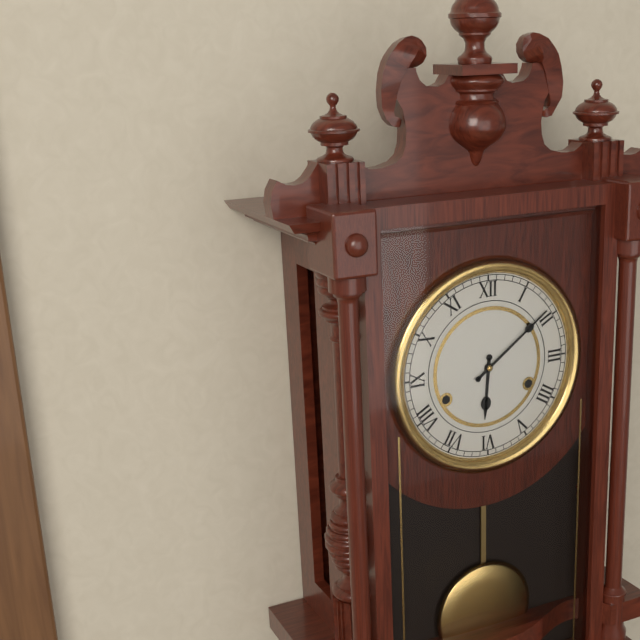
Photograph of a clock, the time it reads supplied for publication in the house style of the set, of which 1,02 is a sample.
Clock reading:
6,09
